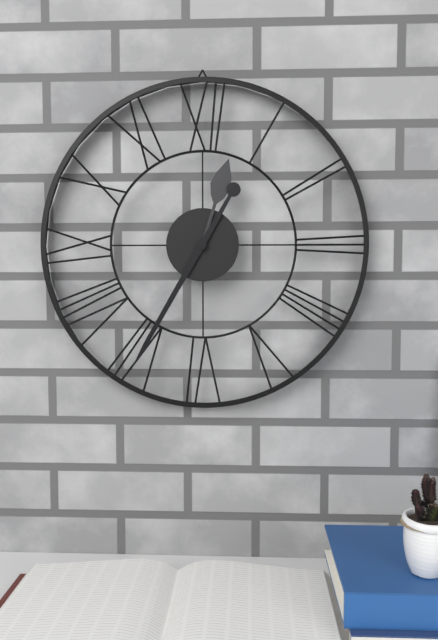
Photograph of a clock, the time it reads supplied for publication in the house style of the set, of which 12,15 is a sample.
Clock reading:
12,35
